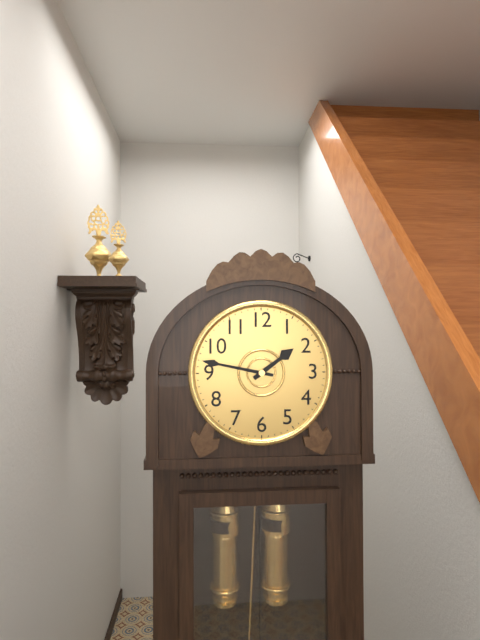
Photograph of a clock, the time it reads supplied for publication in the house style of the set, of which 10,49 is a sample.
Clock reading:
1,47
